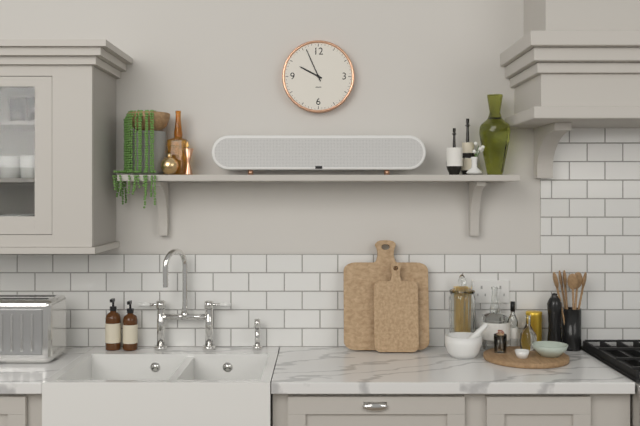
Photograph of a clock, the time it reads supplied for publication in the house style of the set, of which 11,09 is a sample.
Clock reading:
9,56
